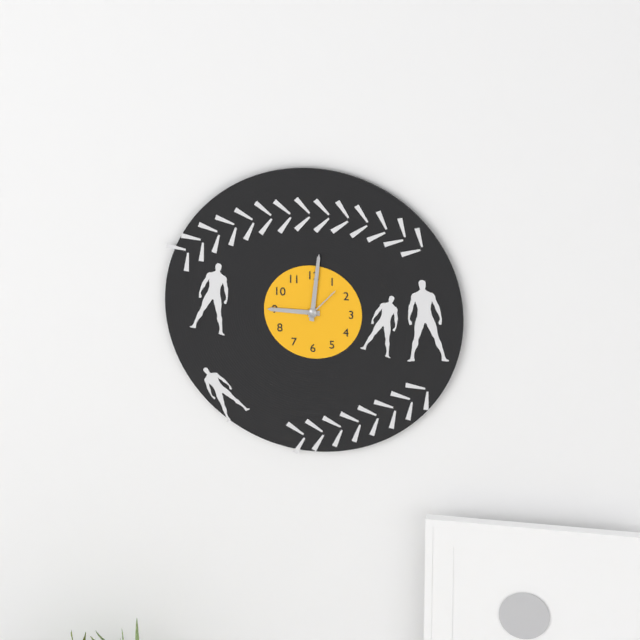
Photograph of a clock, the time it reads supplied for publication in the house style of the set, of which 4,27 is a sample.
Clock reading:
9,01
